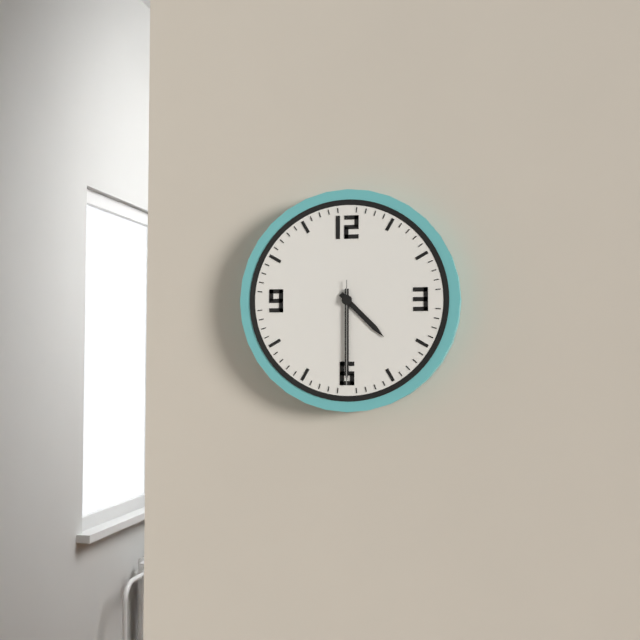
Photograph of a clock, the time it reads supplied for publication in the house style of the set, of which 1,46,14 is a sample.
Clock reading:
4,30,30
